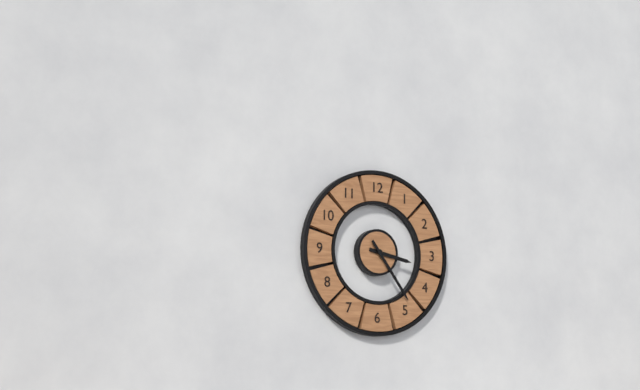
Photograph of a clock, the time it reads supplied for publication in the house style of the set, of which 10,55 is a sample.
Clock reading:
3,24
